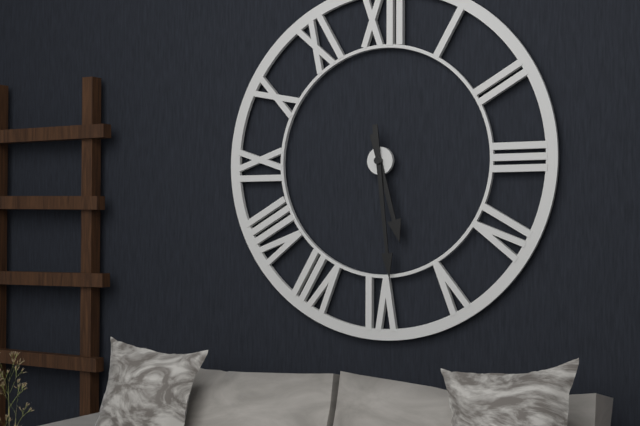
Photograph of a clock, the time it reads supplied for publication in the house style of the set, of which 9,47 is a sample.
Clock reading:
5,29
